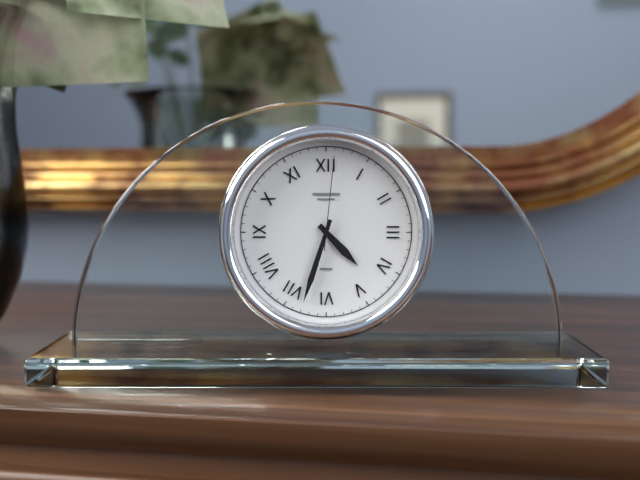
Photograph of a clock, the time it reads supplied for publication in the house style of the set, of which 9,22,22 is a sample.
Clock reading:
4,33,01
